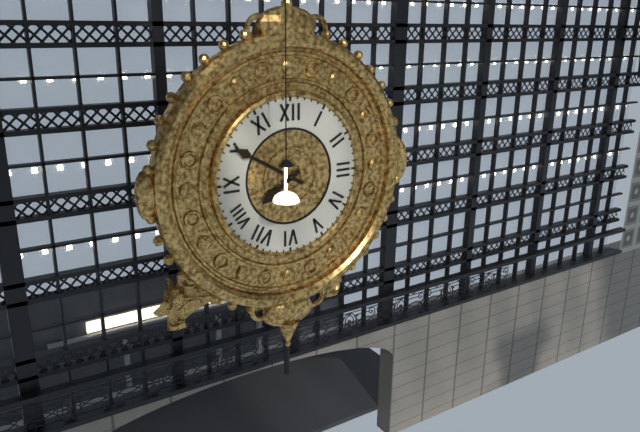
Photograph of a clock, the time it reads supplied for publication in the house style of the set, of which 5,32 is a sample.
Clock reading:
7,50
